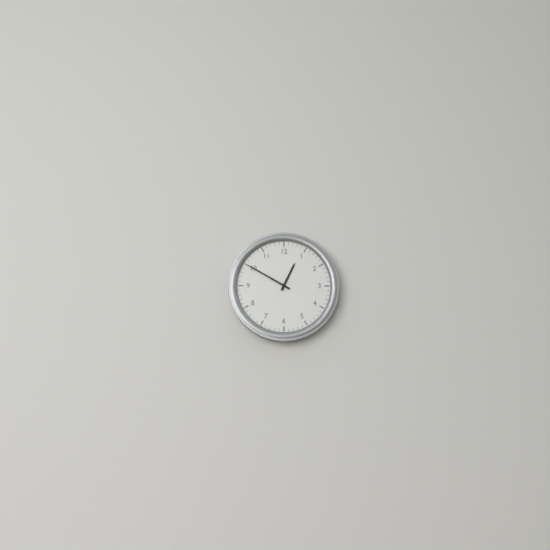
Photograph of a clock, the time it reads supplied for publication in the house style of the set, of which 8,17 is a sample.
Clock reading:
12,50
